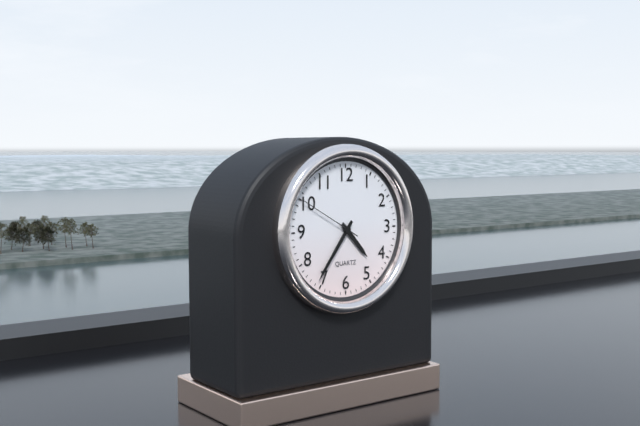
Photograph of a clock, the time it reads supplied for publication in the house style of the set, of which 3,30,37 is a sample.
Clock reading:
4,36,50
